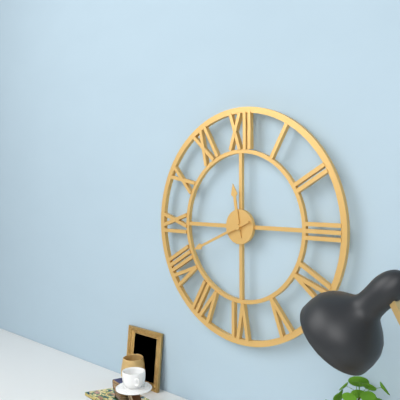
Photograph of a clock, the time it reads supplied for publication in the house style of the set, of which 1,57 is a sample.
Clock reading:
11,41
